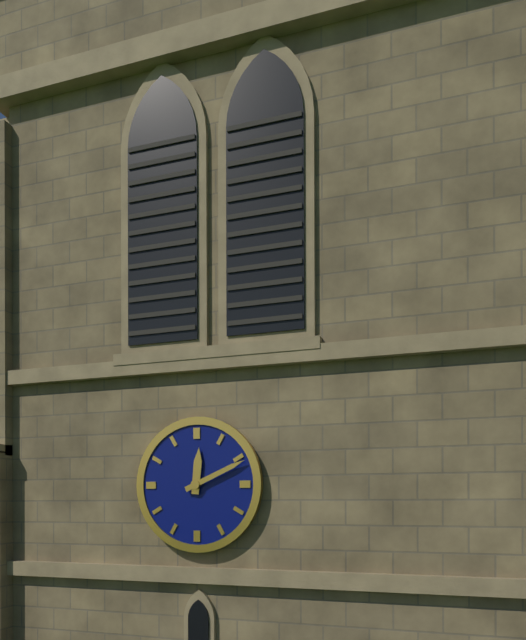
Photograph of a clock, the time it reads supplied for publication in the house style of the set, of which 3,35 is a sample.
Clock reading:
12,11
